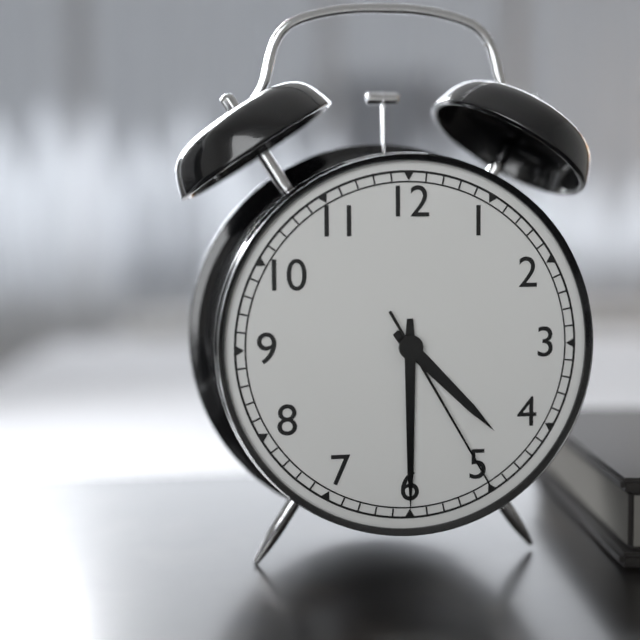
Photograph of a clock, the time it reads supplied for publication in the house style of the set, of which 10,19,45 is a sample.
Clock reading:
4,30,25
